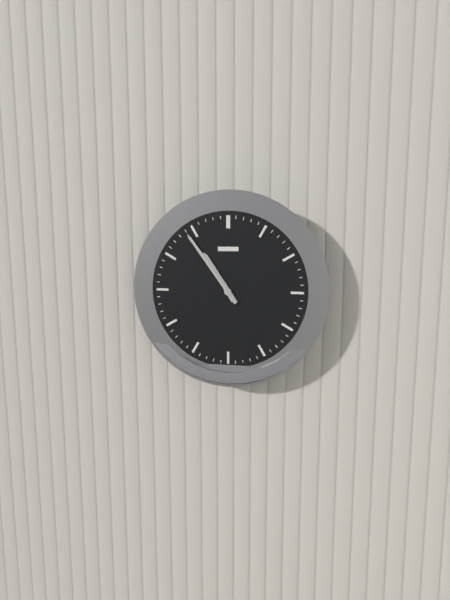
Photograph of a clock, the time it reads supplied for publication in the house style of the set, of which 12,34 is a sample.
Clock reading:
10,54
